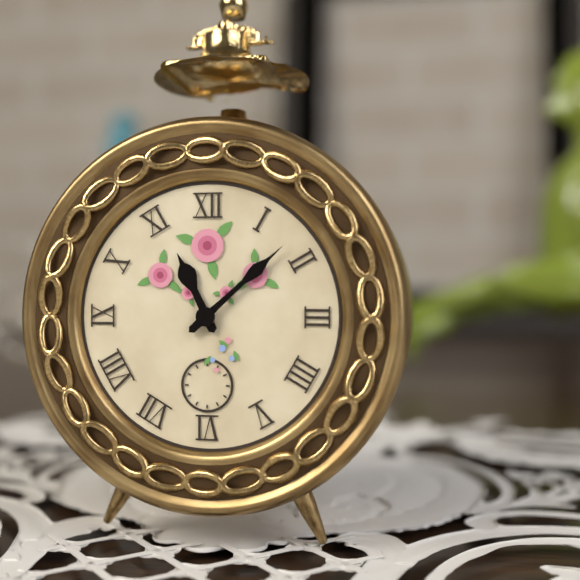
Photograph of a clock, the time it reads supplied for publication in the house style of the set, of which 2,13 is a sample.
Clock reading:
11,08
